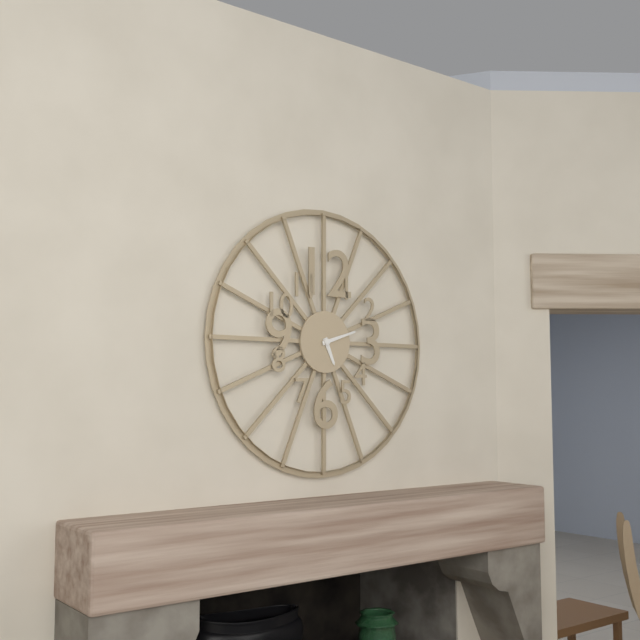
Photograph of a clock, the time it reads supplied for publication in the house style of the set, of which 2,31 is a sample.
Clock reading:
5,12
